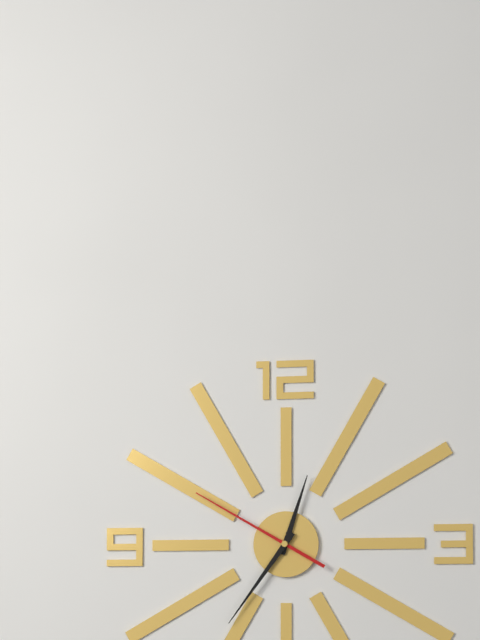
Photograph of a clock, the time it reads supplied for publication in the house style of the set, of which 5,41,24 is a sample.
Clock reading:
12,36,50
